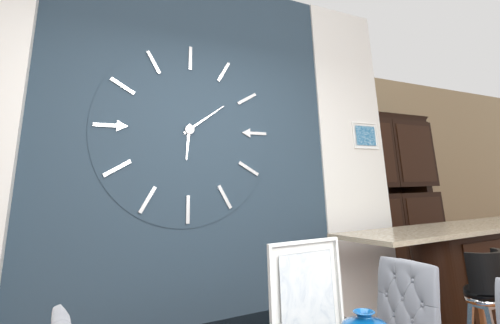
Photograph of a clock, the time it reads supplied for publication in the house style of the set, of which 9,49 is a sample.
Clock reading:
6,09
